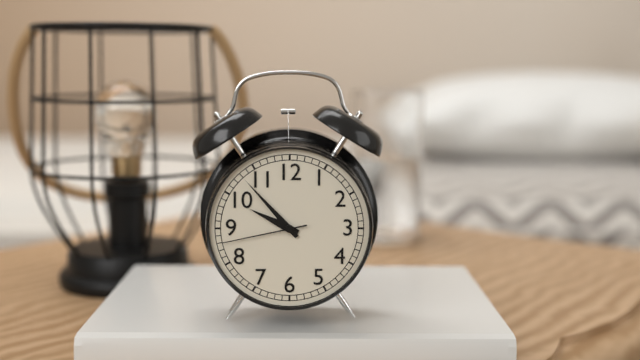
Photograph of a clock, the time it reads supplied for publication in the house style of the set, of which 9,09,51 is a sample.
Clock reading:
9,53,43
